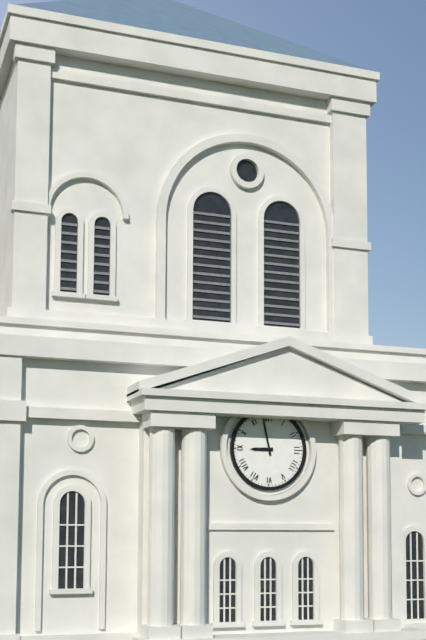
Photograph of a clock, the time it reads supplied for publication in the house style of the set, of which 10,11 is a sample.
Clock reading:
8,58
